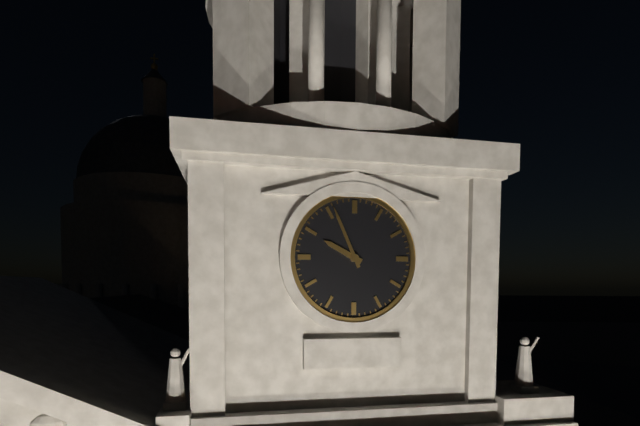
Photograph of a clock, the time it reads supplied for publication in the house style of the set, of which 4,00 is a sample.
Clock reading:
9,56
